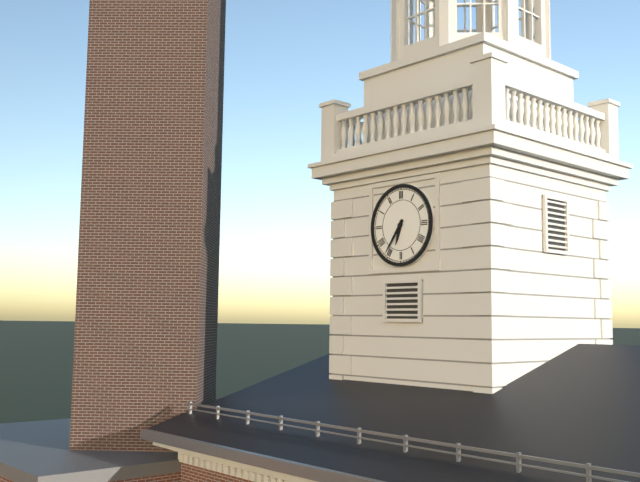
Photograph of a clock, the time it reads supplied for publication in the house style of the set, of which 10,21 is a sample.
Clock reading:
6,36
